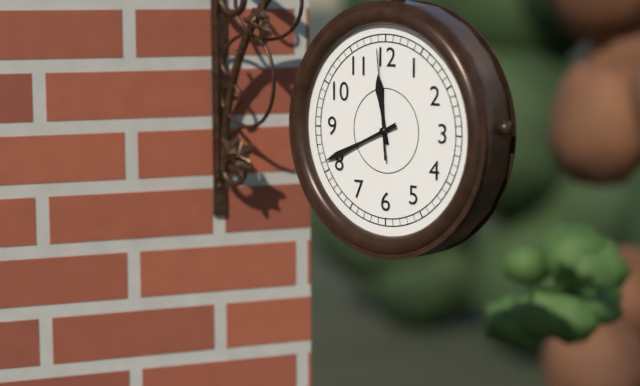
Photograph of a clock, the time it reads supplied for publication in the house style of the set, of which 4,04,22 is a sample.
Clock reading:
11,41,59
